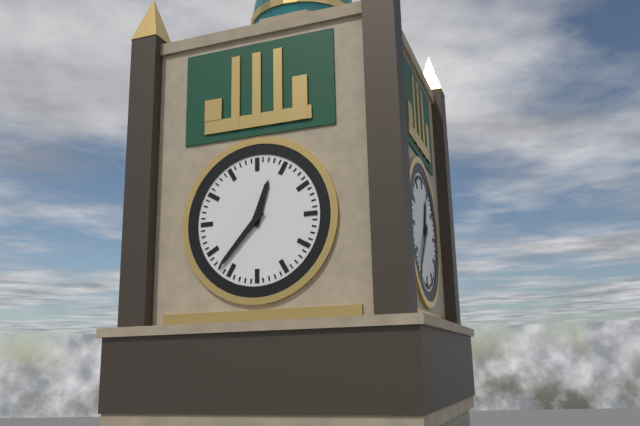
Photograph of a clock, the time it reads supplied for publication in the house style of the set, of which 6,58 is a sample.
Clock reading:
12,37
